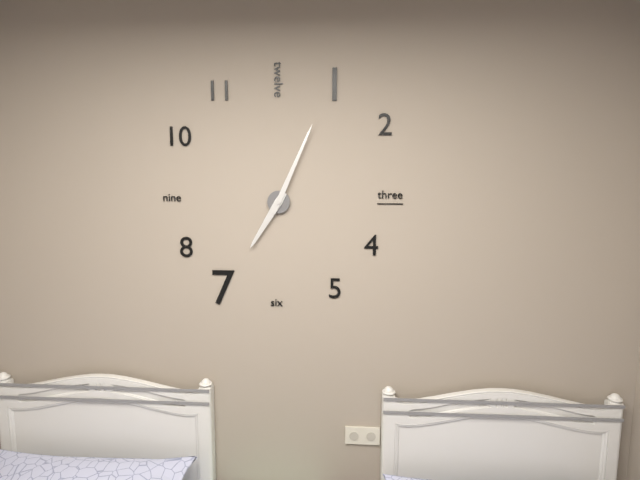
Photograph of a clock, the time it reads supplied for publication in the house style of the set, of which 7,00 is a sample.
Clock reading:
7,04
